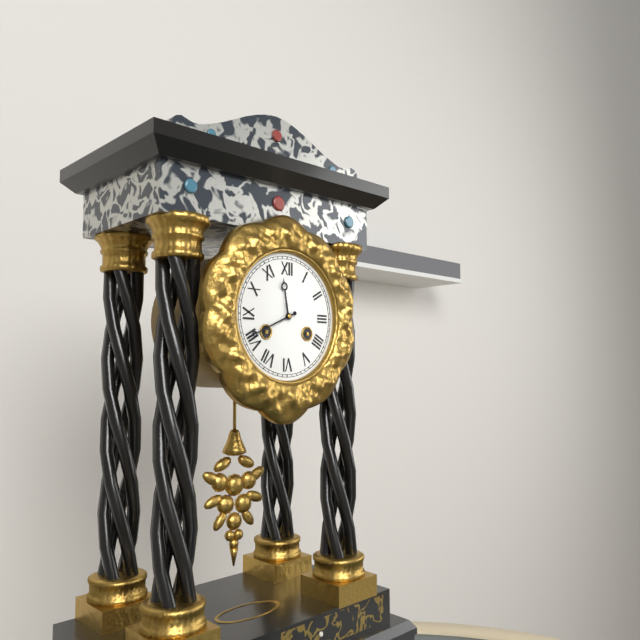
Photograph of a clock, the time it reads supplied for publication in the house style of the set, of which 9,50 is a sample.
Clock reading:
11,41
